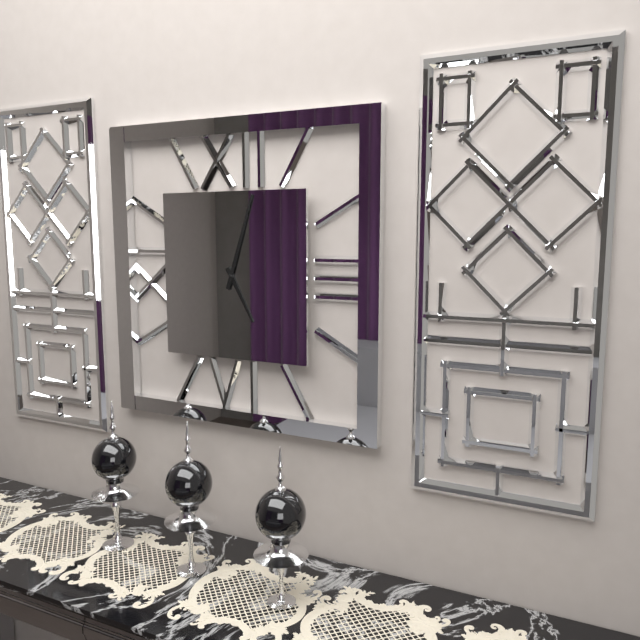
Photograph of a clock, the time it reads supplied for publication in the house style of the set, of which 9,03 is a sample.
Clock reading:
5,03
